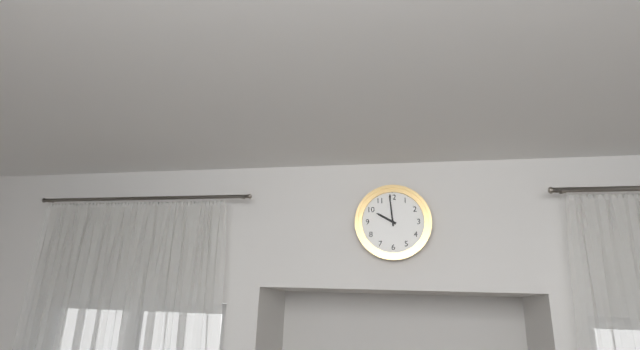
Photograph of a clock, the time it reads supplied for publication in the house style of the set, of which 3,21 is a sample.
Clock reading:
9,59
